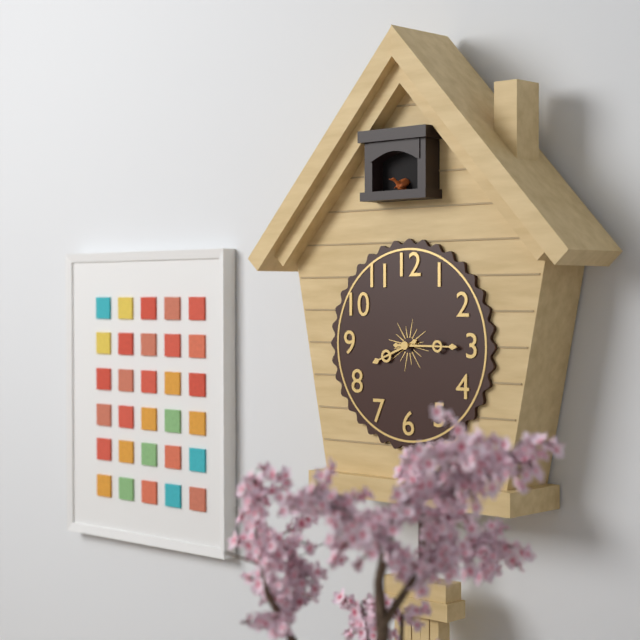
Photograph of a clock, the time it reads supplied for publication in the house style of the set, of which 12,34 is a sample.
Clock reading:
8,15
